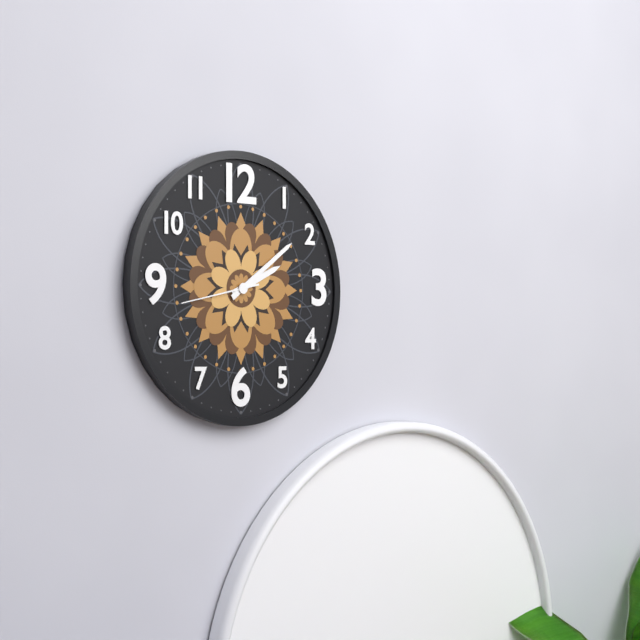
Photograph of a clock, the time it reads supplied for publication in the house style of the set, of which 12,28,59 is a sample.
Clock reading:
2,09,43
